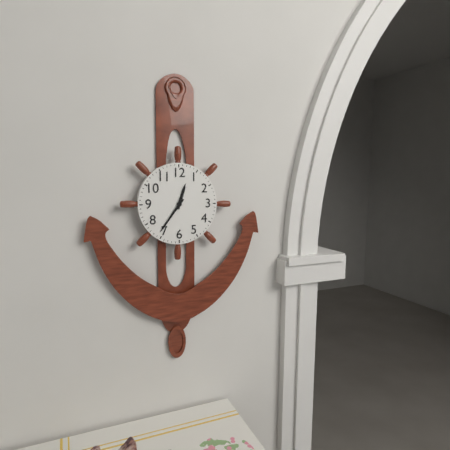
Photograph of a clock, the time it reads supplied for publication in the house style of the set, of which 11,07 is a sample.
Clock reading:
12,36
